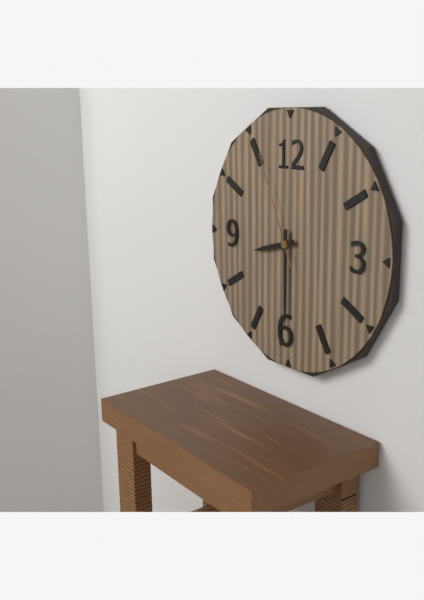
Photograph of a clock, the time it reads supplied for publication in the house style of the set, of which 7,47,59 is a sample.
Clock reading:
8,30,56
